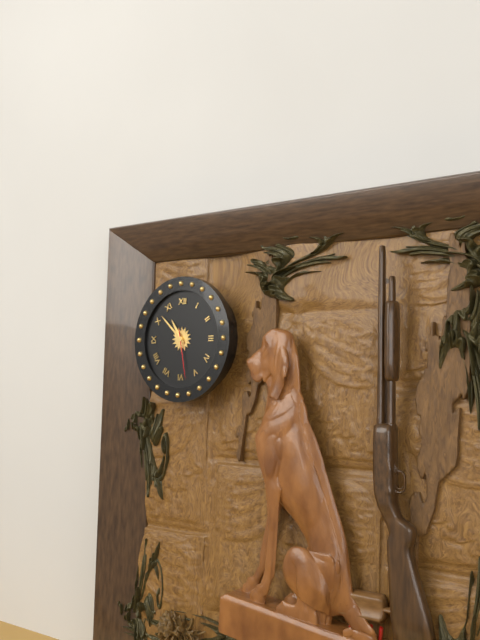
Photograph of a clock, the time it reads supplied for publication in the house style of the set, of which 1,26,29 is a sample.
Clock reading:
10,52,28
